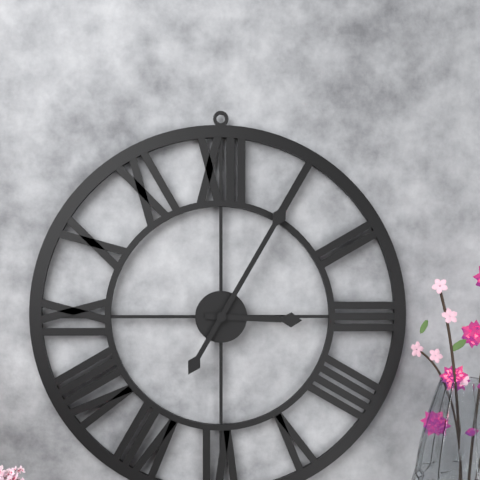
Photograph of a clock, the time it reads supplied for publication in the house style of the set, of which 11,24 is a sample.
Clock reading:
3,05
